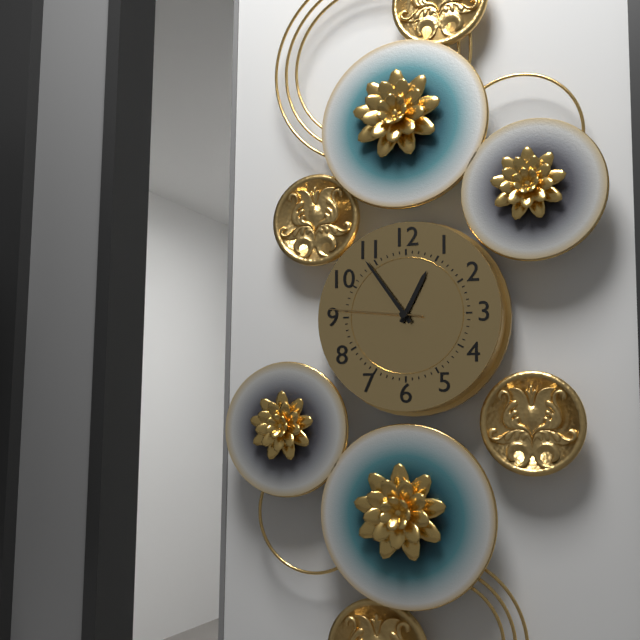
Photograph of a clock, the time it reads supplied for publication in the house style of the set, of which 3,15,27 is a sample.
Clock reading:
12,54,46
